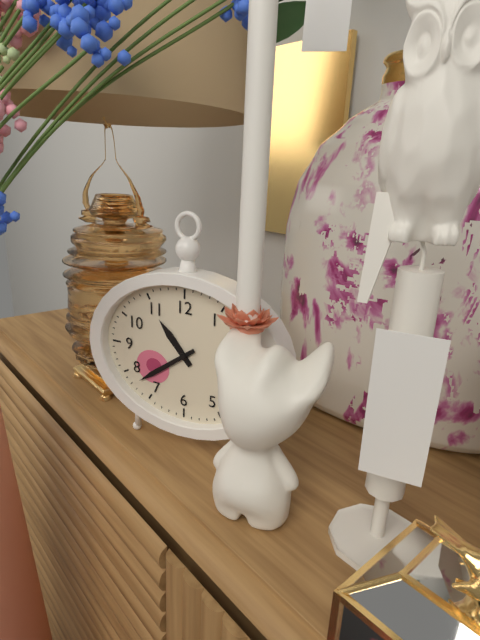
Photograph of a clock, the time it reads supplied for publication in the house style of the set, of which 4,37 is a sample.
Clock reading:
10,39
